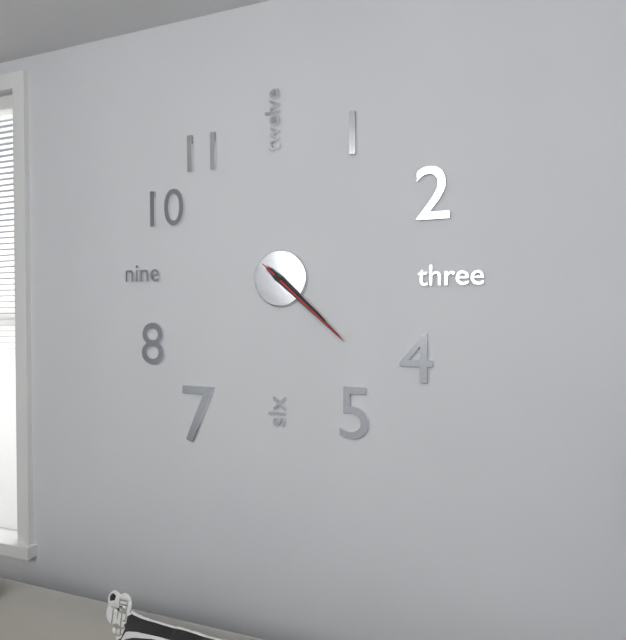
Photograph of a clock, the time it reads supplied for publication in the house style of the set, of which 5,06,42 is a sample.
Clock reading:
4,22,22
